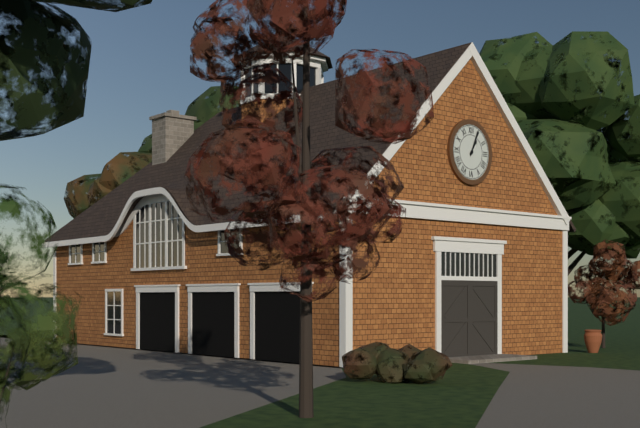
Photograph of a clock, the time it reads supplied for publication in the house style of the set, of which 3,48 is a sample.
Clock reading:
1,04
